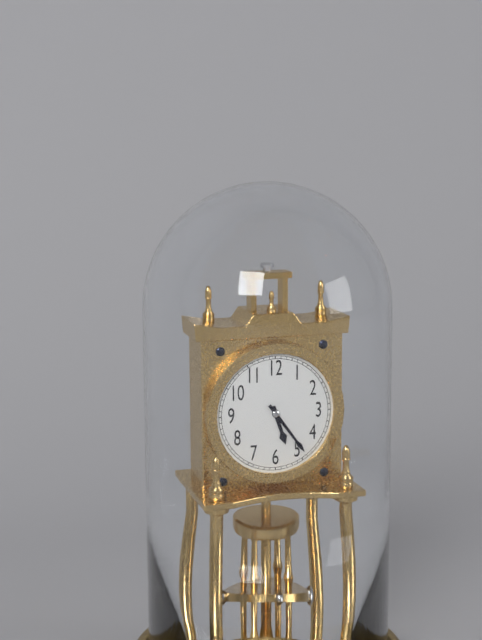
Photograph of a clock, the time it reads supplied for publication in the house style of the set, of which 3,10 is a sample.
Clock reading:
5,24
